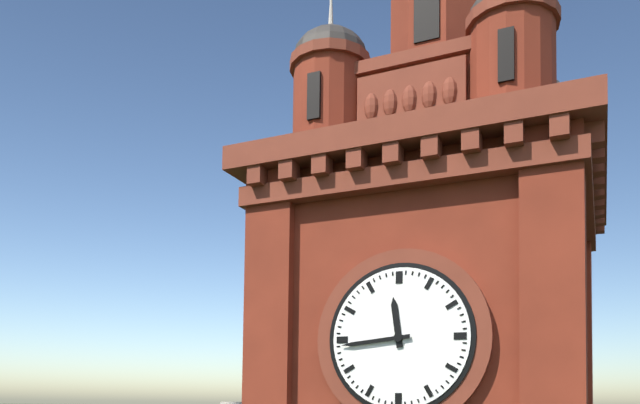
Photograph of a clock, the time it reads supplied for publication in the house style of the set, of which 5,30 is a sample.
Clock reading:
11,44
